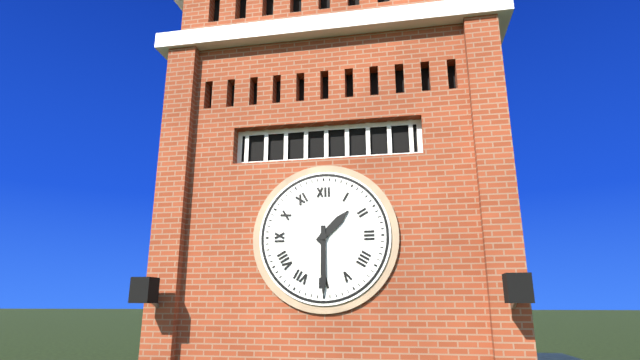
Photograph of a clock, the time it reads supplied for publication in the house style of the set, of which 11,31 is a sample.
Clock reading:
1,30
